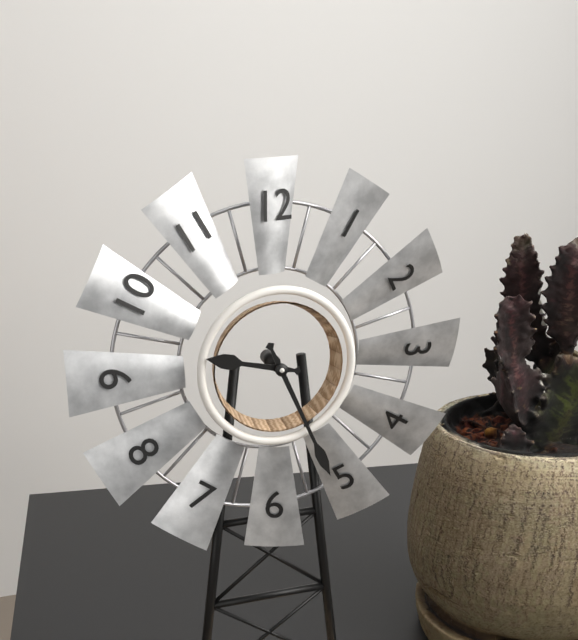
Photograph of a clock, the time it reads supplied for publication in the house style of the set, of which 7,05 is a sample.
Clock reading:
9,26
